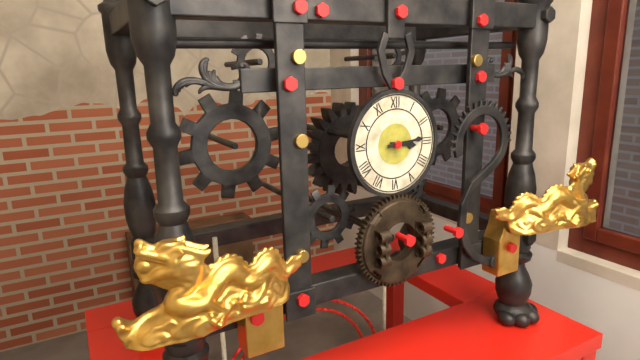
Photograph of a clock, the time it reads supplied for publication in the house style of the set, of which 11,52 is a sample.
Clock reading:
3,14
